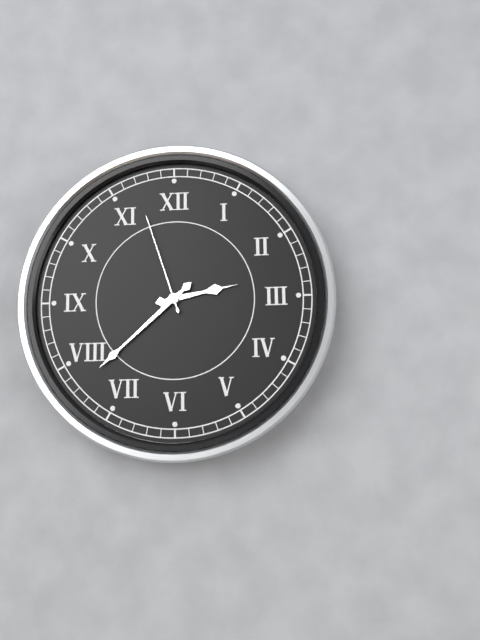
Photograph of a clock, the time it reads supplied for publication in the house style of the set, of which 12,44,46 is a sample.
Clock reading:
2,38,57
